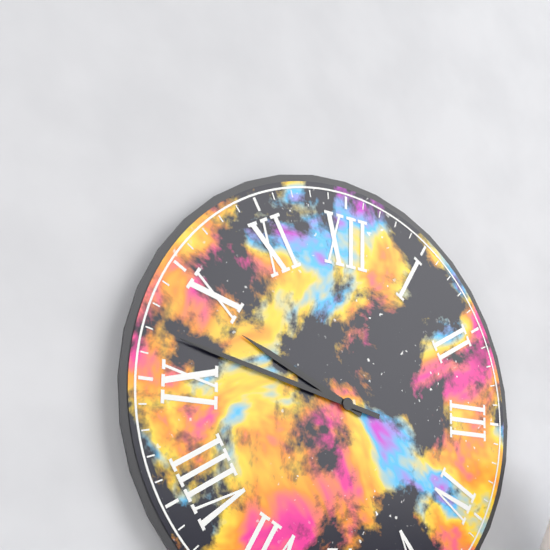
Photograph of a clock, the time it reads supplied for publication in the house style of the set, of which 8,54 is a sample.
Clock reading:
9,47
